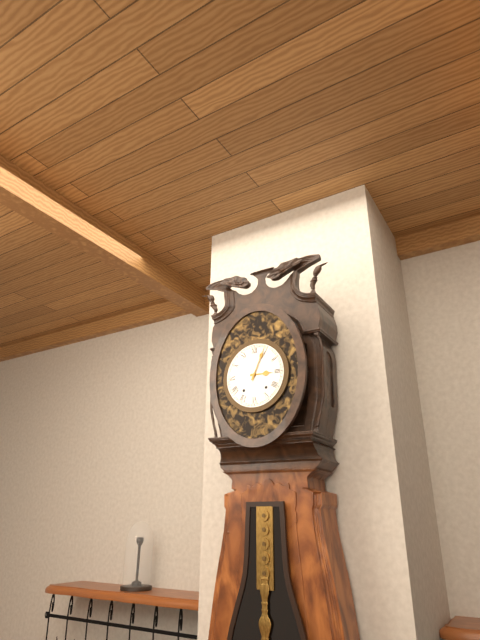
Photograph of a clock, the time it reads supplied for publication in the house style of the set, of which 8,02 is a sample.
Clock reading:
3,04
